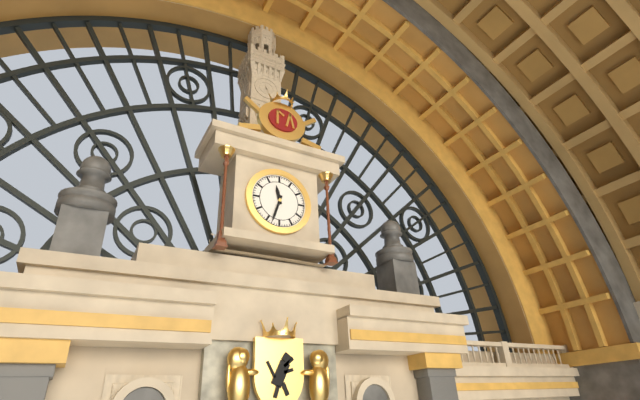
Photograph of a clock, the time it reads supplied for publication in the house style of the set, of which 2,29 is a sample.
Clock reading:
11,33
